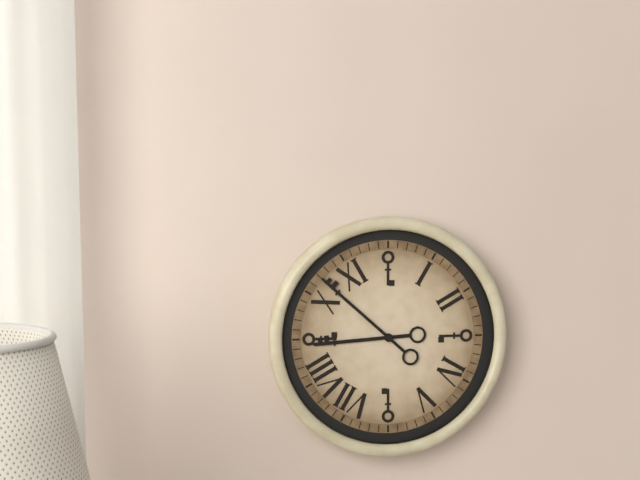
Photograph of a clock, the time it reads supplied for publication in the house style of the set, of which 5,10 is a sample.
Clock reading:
8,52
